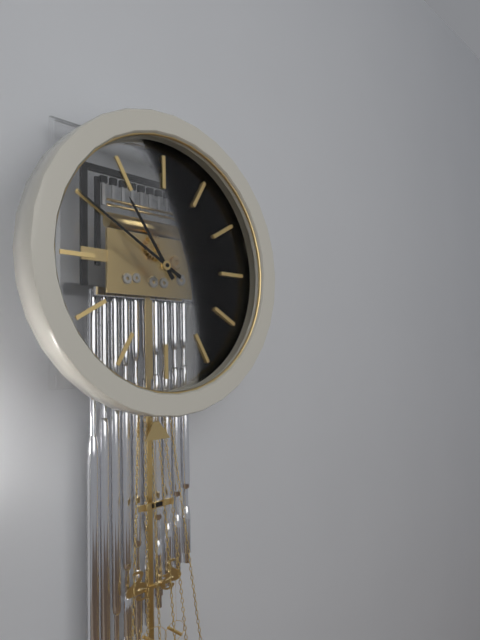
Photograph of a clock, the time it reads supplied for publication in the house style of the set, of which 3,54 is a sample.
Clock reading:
10,50
